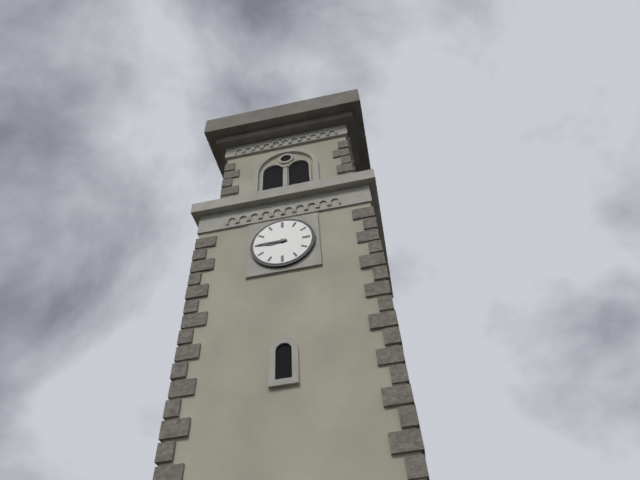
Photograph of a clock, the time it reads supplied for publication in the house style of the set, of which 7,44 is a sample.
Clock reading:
8,45
